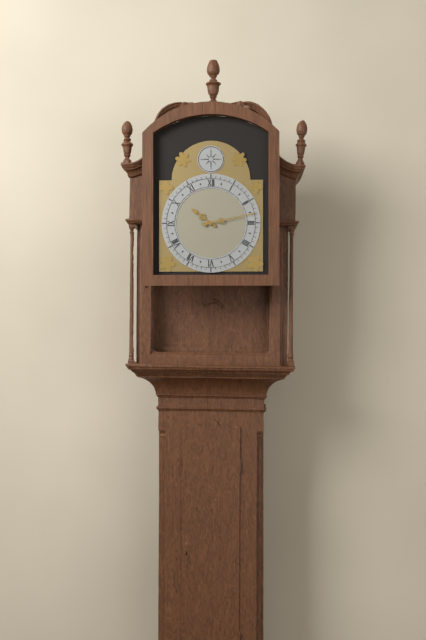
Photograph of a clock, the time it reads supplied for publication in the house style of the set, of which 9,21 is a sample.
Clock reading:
10,13
